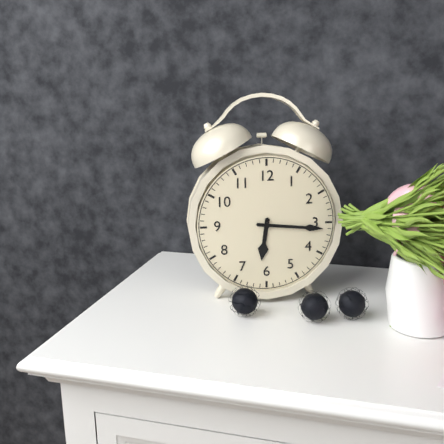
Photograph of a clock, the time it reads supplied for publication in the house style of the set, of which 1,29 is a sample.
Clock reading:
6,16
